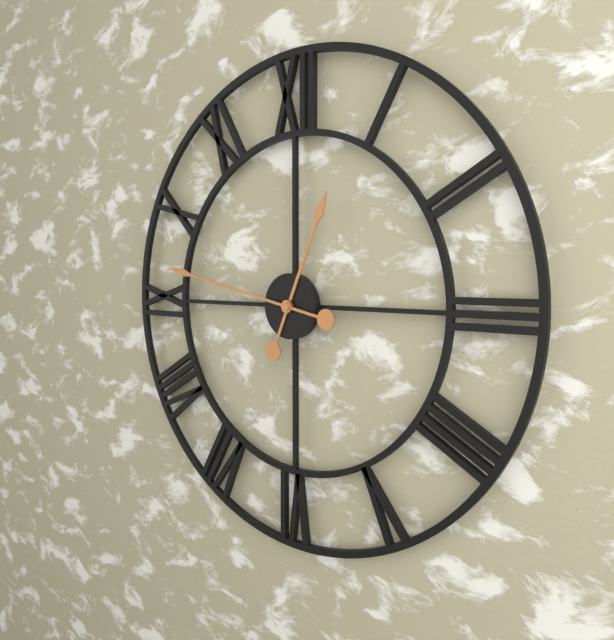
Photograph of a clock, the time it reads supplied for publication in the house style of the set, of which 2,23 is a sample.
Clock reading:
12,47
